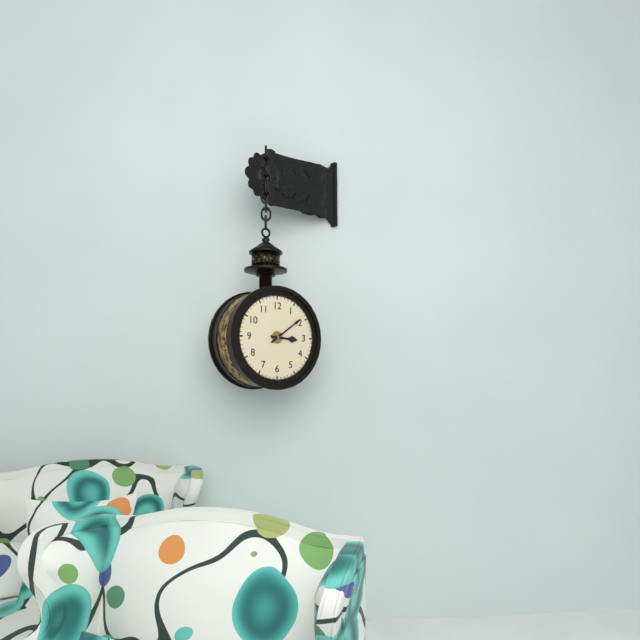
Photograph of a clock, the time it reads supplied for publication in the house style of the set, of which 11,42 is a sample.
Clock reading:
3,09
